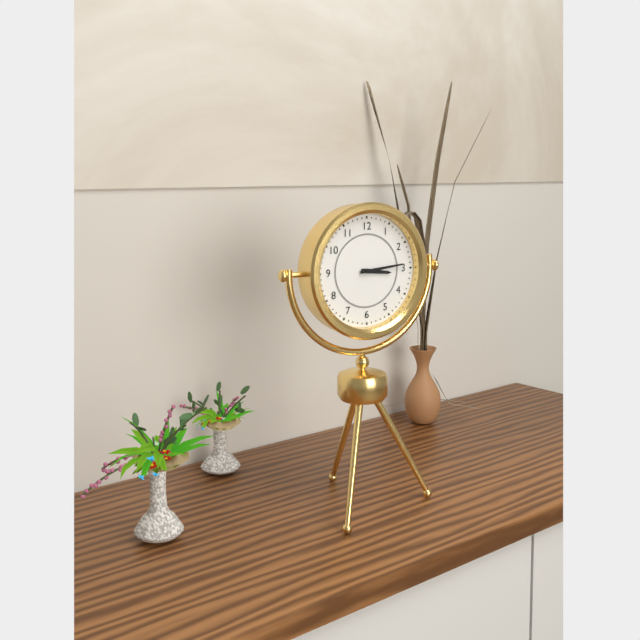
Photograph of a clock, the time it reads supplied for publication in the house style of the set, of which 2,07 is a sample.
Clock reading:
3,14
